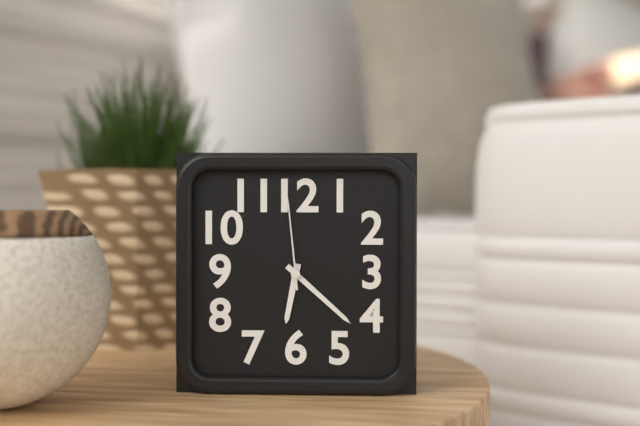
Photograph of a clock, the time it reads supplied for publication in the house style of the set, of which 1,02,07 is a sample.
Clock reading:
6,22,59
